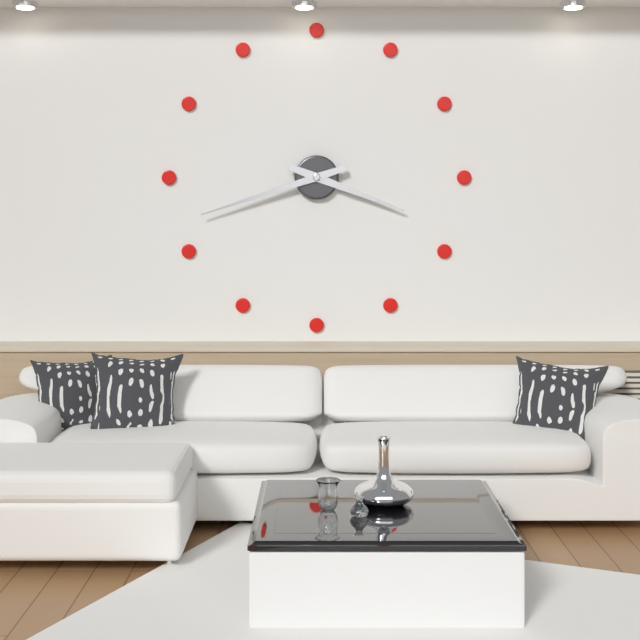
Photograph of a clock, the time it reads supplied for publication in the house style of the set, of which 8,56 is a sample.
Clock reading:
3,42
